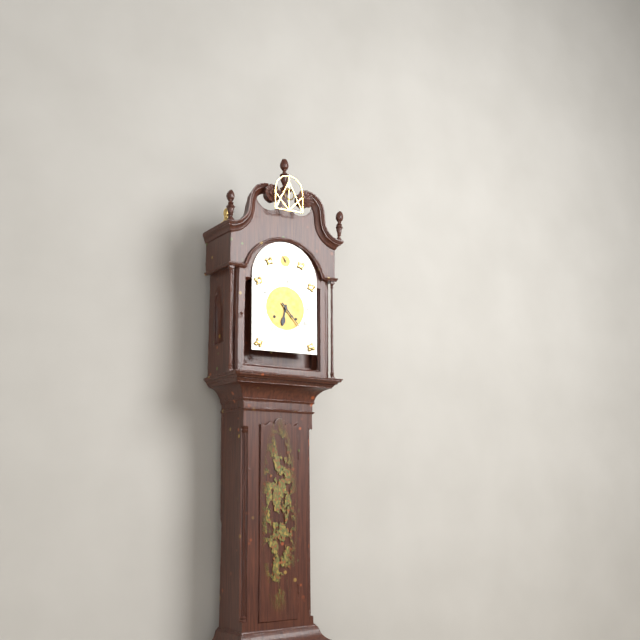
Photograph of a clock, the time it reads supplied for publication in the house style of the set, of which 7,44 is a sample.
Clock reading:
6,23
